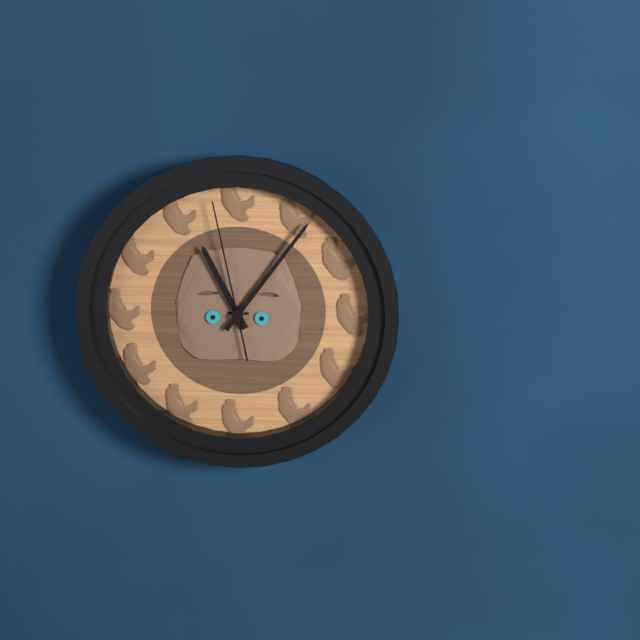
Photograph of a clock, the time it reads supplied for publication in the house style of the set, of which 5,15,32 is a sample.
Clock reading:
11,06,58
